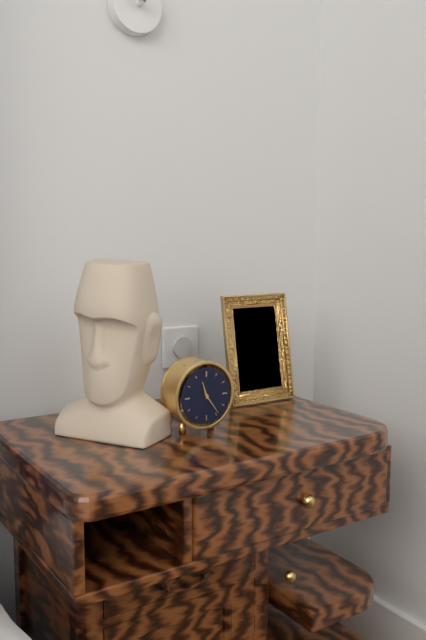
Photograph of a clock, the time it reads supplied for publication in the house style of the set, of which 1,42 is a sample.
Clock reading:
11,24
